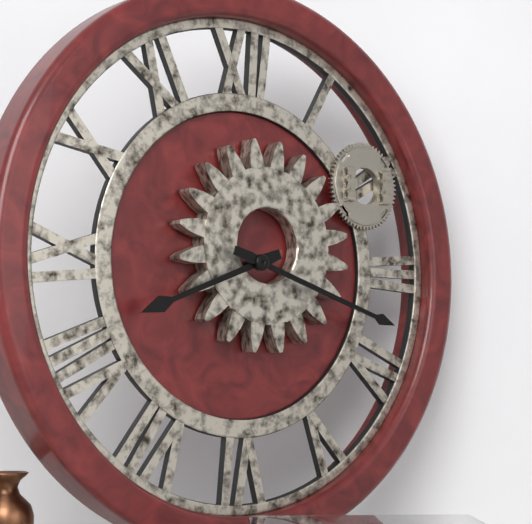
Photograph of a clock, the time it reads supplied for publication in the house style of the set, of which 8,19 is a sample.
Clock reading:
8,18
